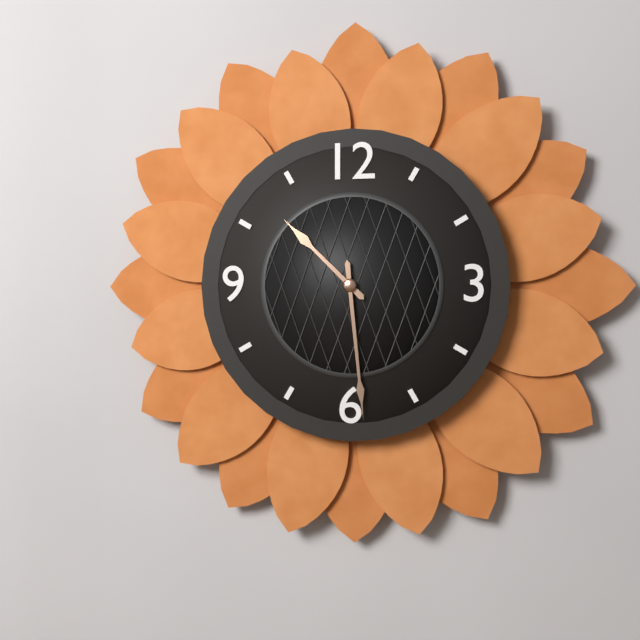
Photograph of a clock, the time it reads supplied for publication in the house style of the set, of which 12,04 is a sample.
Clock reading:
10,29
